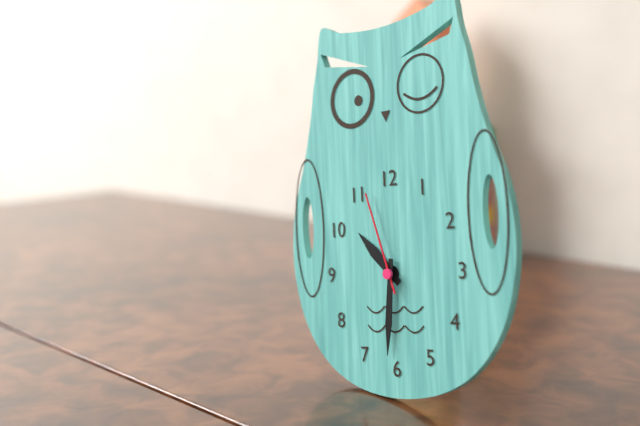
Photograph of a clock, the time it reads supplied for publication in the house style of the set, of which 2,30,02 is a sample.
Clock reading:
10,31,57
